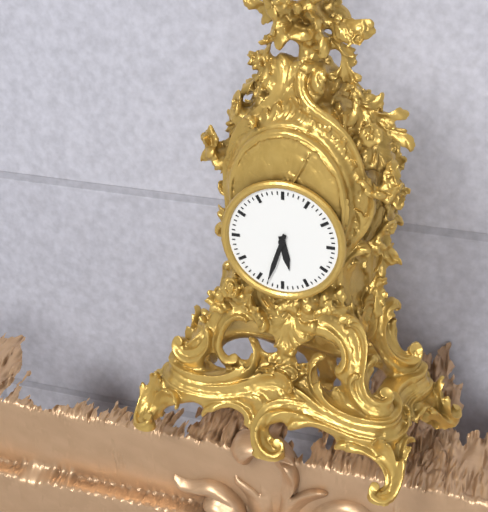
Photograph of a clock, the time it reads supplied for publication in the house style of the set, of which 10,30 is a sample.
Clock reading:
5,33
